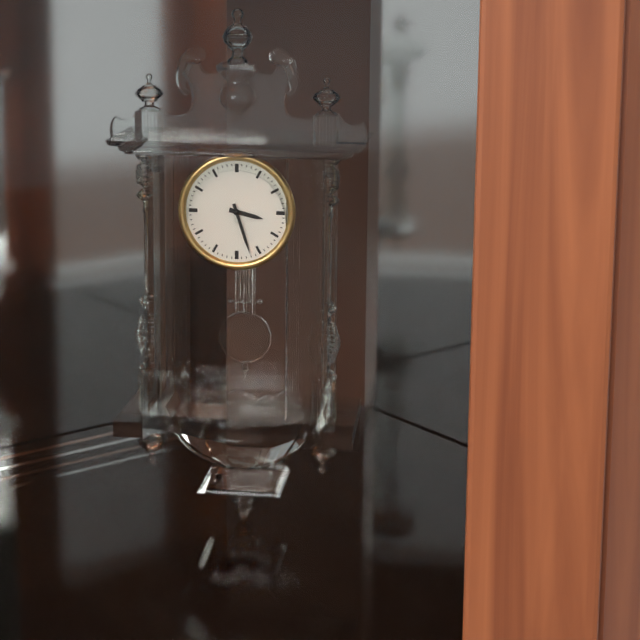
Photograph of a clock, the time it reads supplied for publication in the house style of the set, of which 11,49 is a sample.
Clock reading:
3,27
